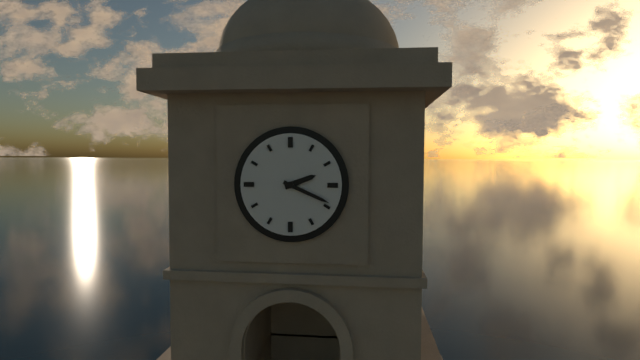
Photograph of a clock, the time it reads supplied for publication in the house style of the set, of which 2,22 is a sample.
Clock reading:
2,19
